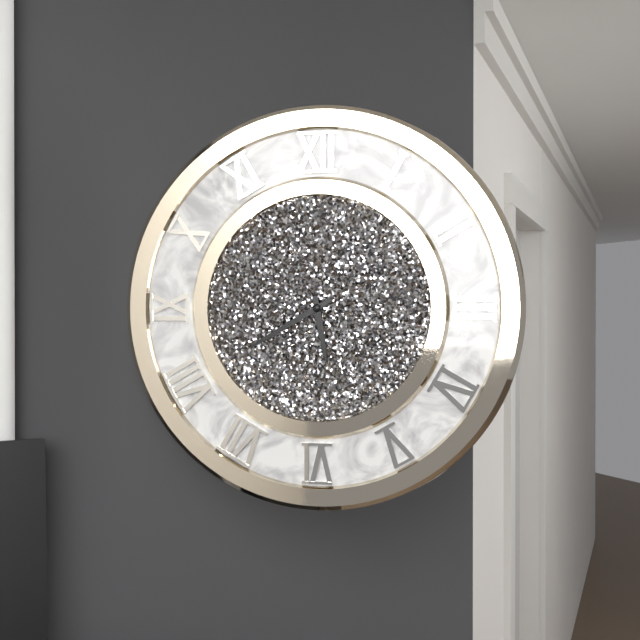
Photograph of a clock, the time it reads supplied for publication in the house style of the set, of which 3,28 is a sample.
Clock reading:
5,40
